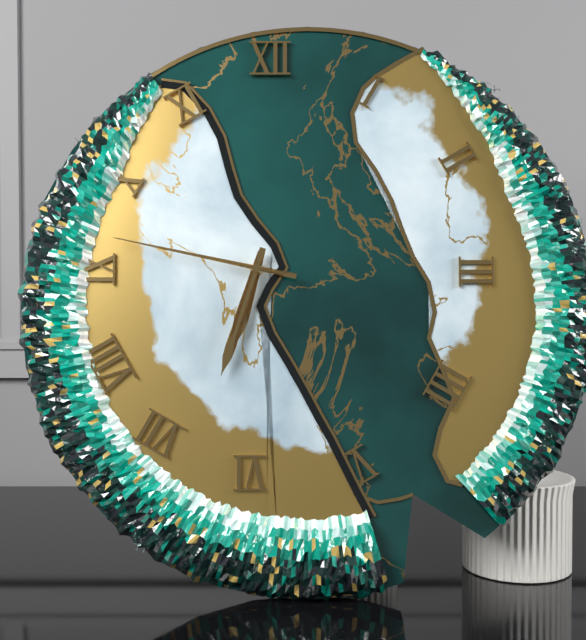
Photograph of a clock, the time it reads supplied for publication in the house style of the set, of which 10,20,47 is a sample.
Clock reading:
6,33,47
